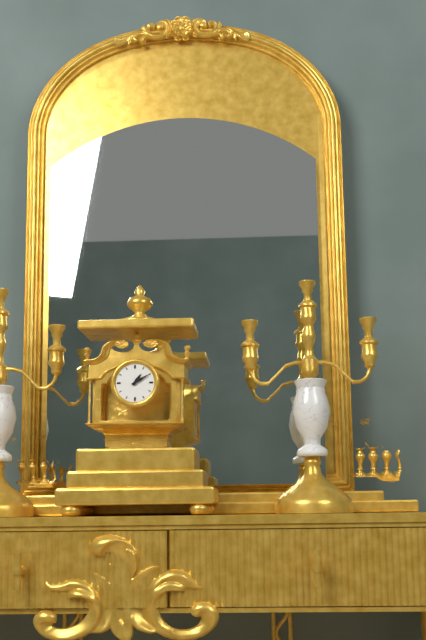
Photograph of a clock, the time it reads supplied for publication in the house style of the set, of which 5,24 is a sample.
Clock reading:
1,10
